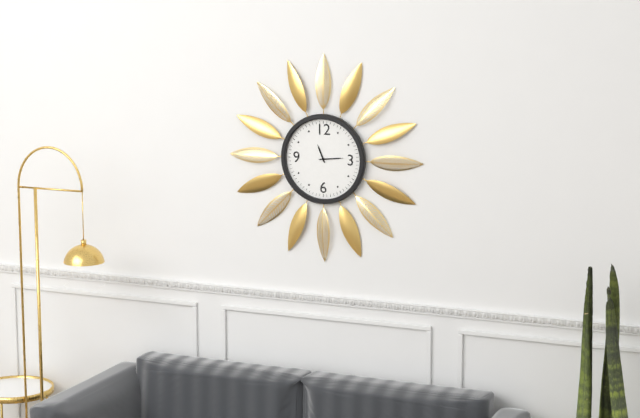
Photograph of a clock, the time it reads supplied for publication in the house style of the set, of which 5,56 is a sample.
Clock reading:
11,14
